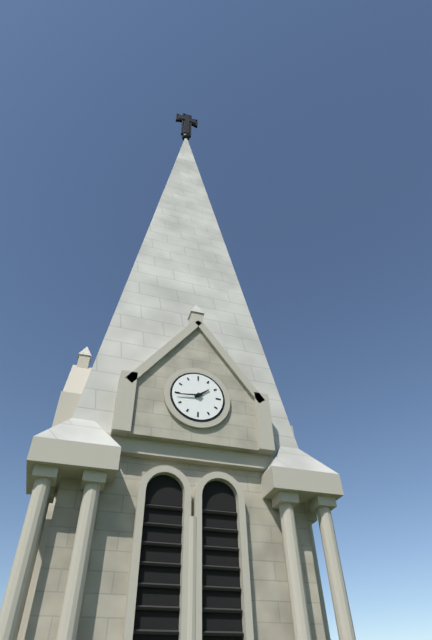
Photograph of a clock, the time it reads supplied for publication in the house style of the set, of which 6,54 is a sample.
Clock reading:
1,44
